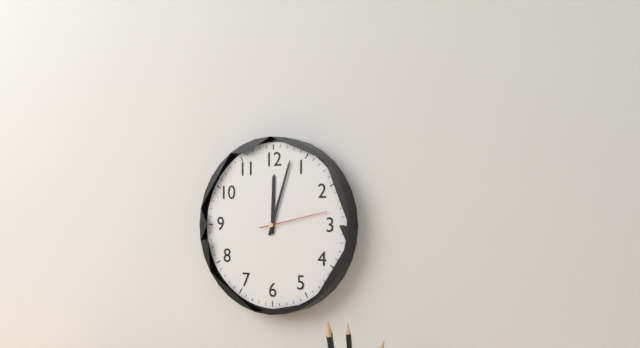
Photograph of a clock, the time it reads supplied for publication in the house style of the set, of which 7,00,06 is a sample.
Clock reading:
12,03,13
